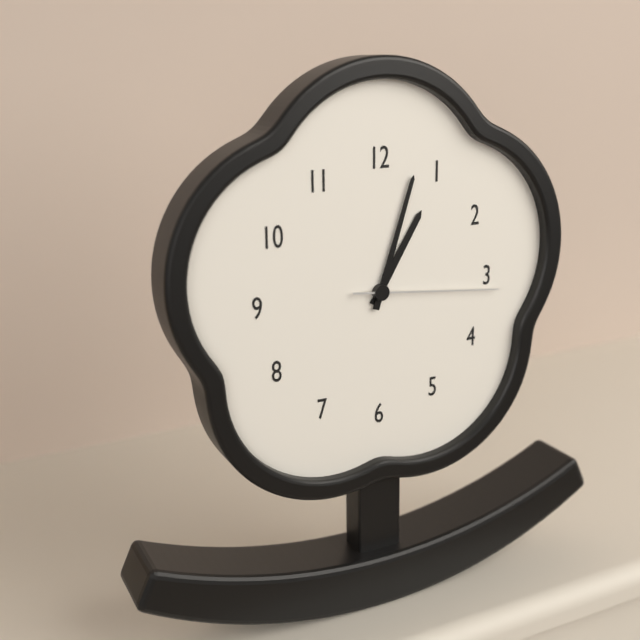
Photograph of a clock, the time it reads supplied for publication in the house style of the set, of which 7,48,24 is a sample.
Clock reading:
1,03,16
